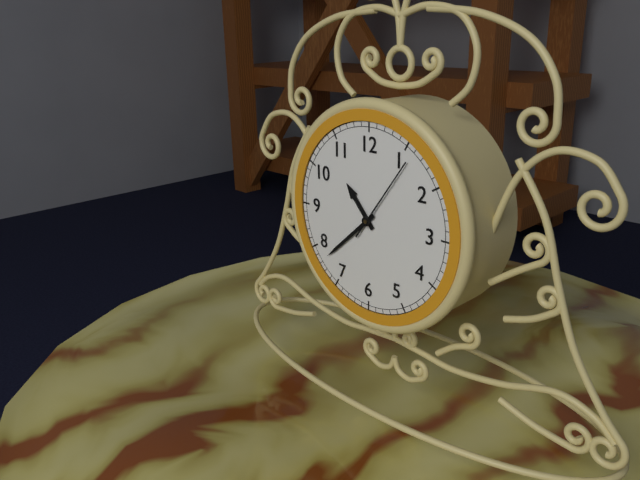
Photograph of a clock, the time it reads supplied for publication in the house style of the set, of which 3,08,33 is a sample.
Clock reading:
10,38,06
